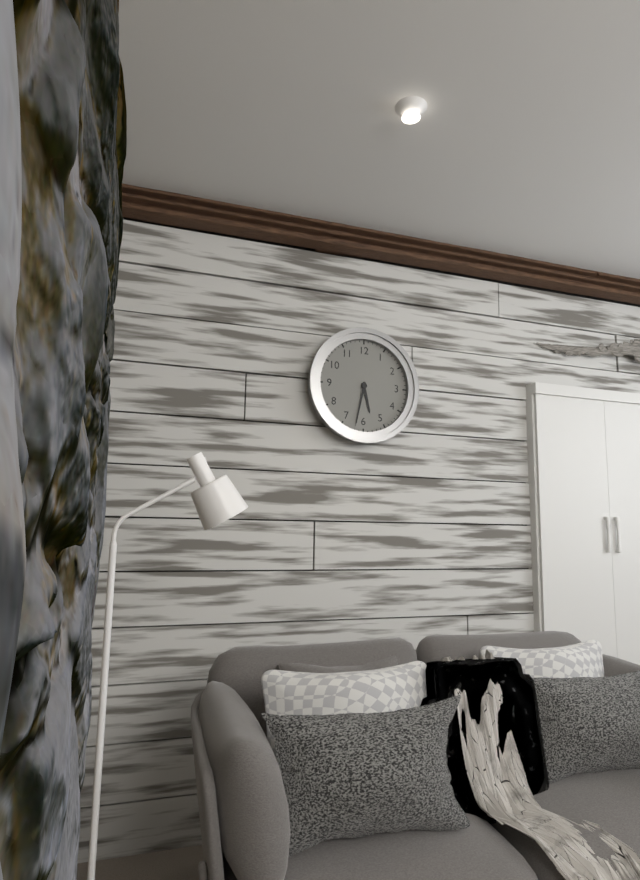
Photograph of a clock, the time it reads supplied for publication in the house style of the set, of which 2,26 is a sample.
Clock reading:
5,32
